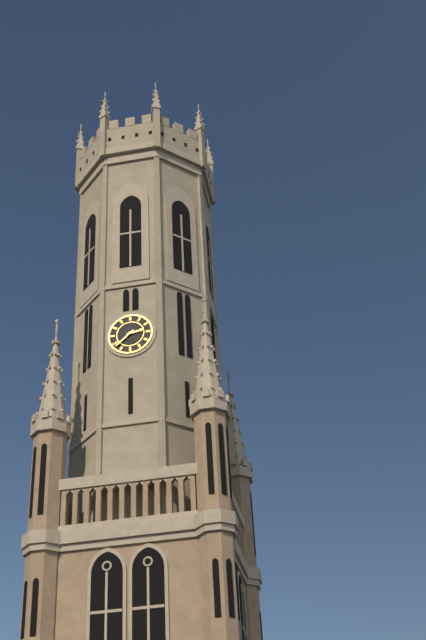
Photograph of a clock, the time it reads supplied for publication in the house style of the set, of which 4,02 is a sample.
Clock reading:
2,38
